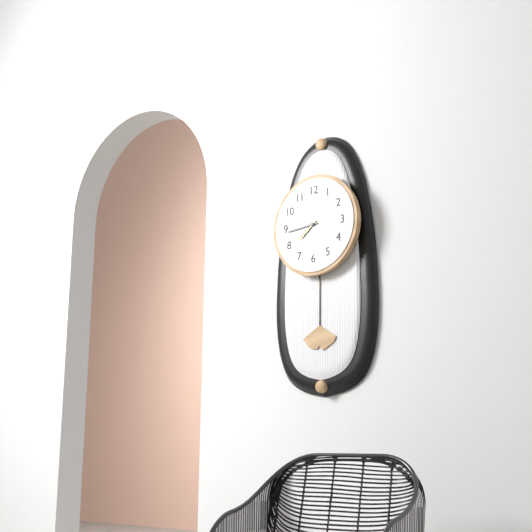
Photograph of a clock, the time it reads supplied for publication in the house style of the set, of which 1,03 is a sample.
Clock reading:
7,44
